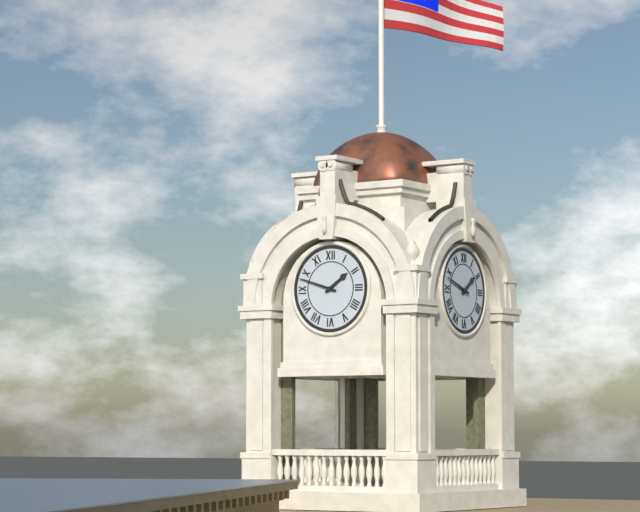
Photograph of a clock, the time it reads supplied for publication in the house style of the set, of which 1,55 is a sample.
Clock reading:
1,48
